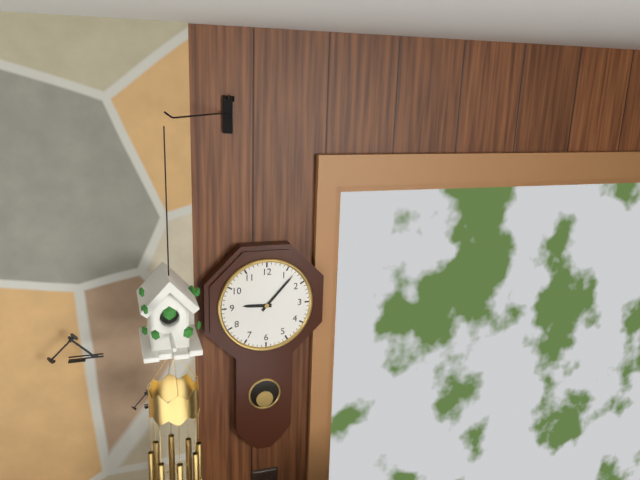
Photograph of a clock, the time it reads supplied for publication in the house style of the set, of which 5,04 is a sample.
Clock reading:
9,07
